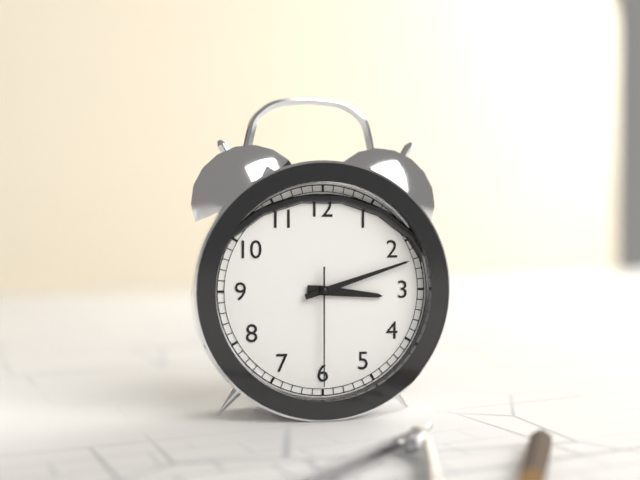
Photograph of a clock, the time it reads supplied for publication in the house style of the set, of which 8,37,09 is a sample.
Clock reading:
3,12,30
